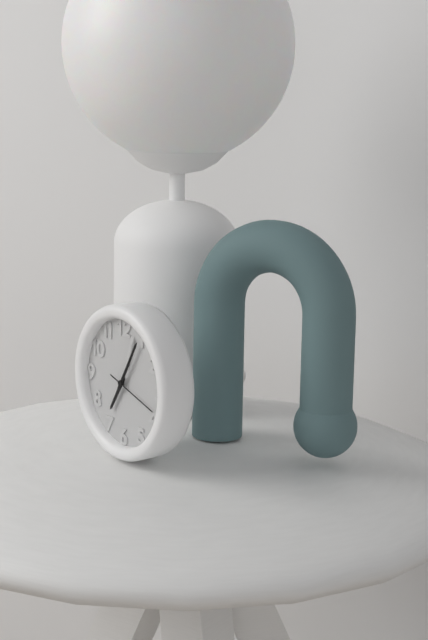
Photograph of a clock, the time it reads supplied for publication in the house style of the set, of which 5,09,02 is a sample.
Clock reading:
7,05,18
